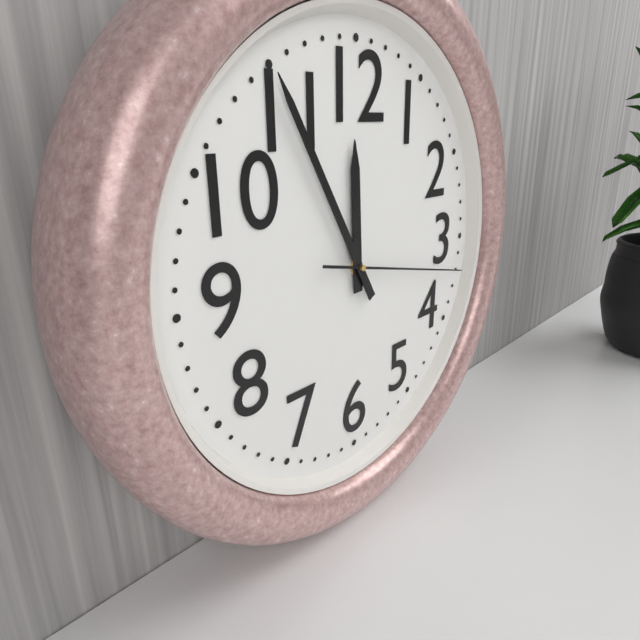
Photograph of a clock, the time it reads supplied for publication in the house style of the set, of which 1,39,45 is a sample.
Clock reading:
11,55,17
